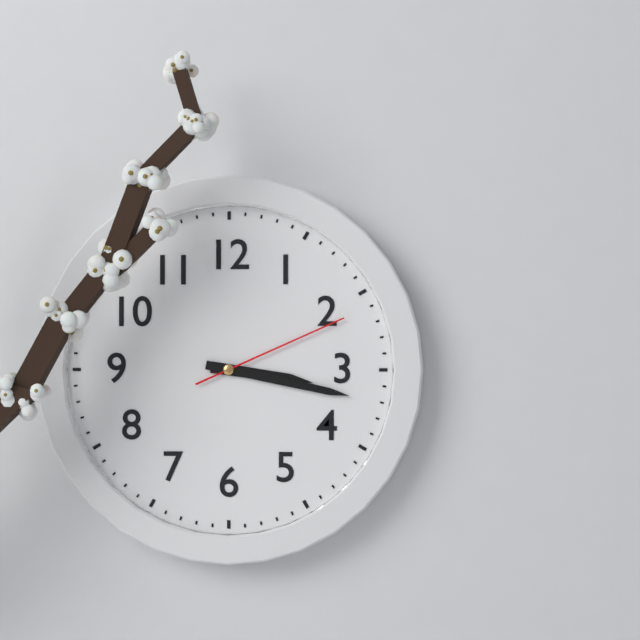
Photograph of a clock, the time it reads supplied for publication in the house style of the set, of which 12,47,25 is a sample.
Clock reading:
3,17,11
